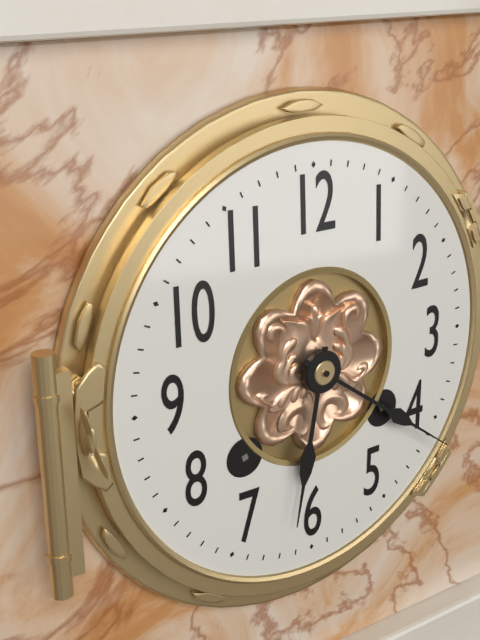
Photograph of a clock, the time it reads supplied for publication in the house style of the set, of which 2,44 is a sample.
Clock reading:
6,21
